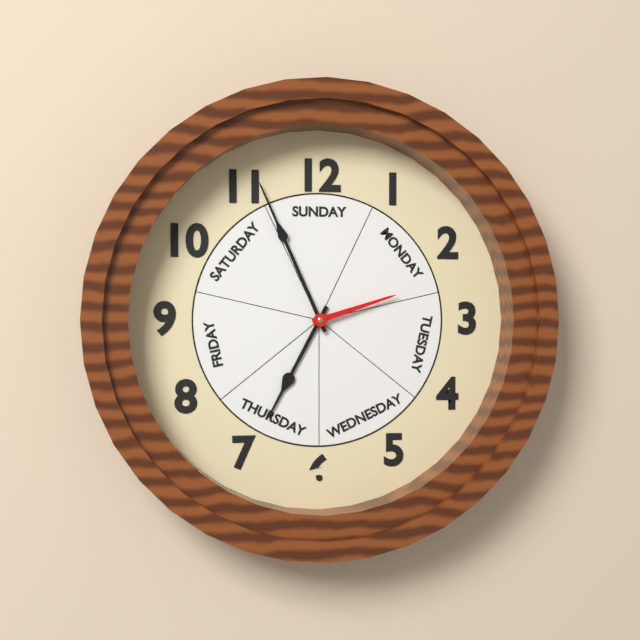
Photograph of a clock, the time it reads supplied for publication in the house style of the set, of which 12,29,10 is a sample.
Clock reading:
6,56,12
